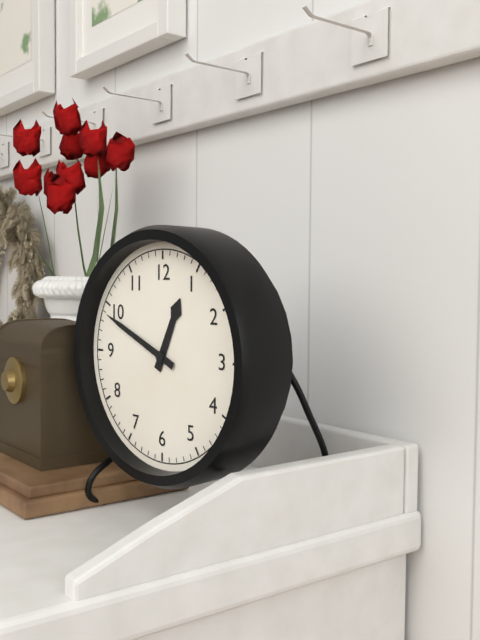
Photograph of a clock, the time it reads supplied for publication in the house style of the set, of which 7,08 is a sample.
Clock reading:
12,49
